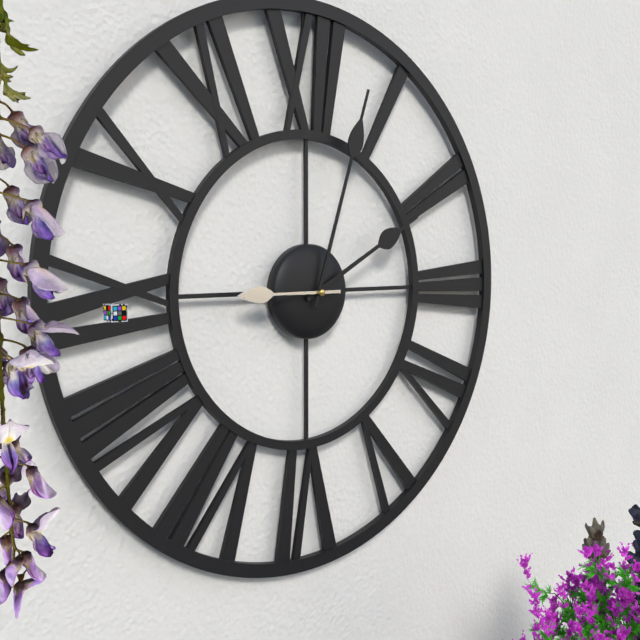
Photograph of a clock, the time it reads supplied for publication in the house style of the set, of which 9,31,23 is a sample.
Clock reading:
2,03,45
